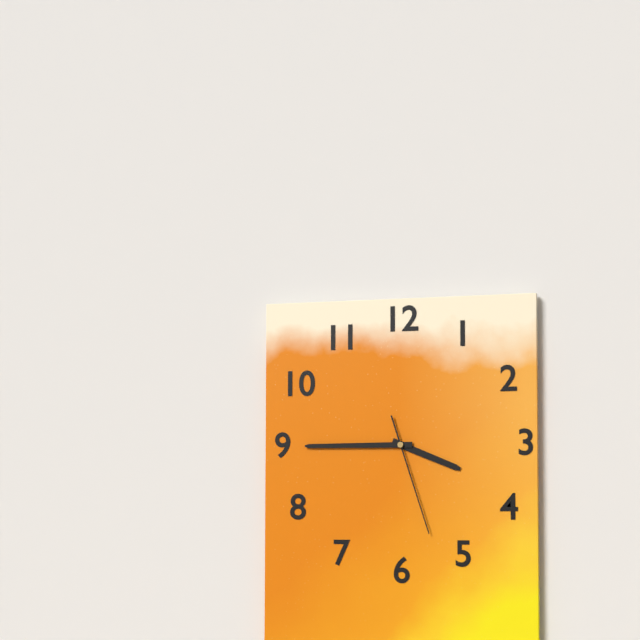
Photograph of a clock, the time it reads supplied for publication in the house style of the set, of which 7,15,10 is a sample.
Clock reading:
3,45,27
